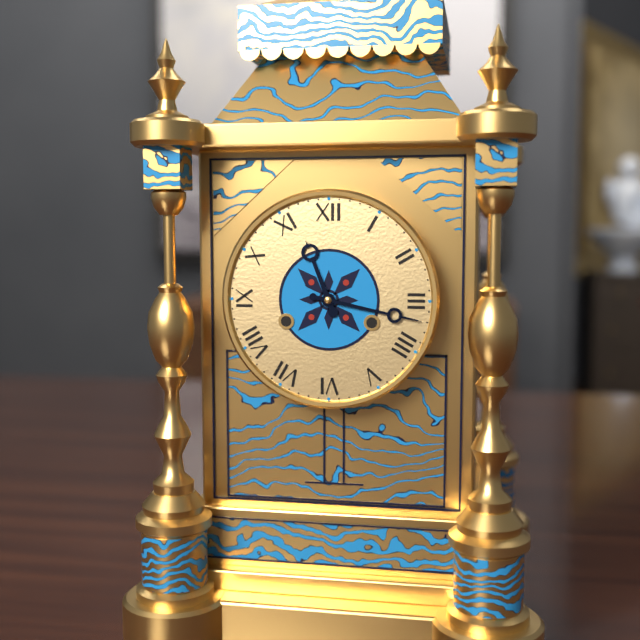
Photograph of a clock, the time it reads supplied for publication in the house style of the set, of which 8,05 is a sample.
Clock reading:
11,17
